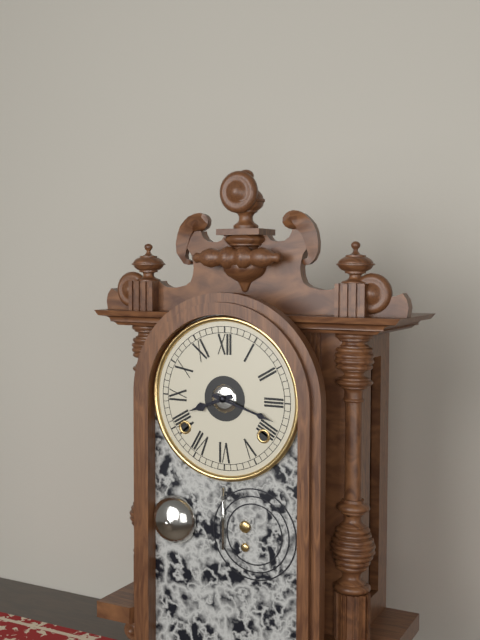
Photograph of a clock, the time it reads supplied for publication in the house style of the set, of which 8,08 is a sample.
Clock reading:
8,18
